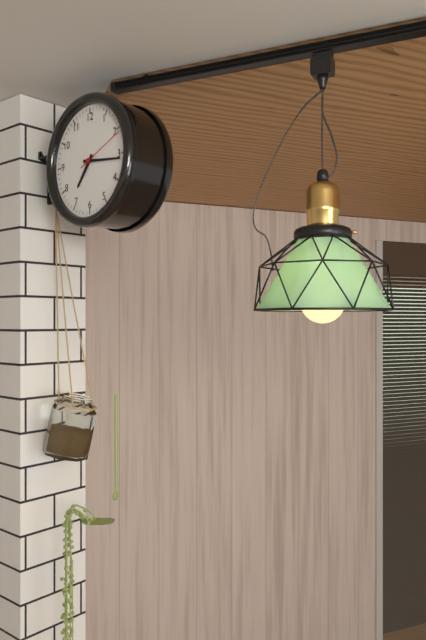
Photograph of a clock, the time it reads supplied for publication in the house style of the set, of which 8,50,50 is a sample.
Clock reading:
7,16,11
